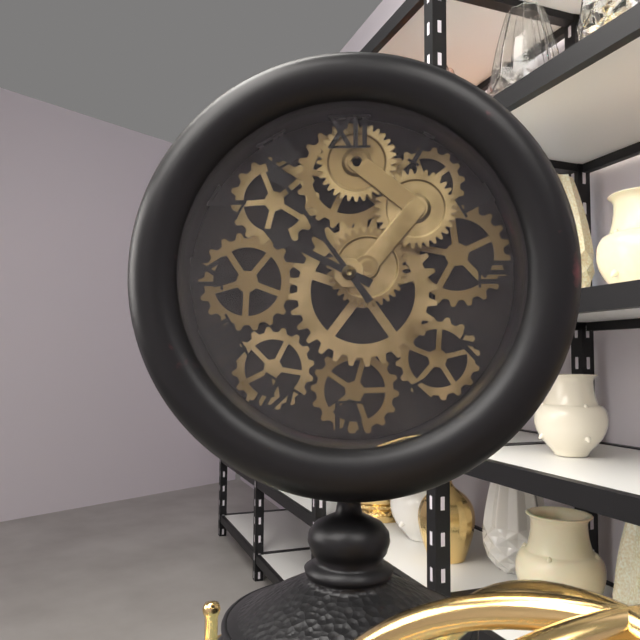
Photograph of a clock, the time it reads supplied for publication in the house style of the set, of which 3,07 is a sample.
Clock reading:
9,54
